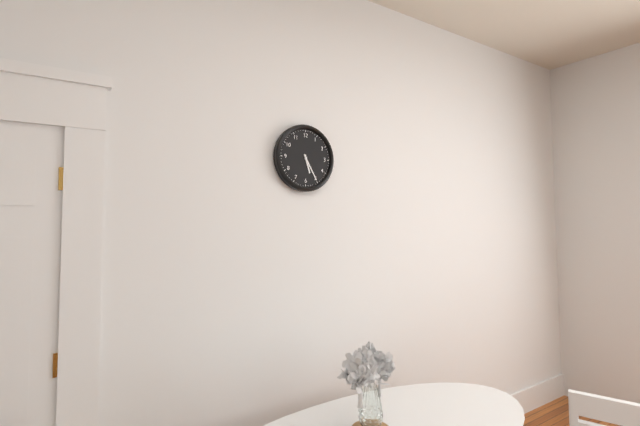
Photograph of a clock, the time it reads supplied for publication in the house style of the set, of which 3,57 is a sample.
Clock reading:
5,25
